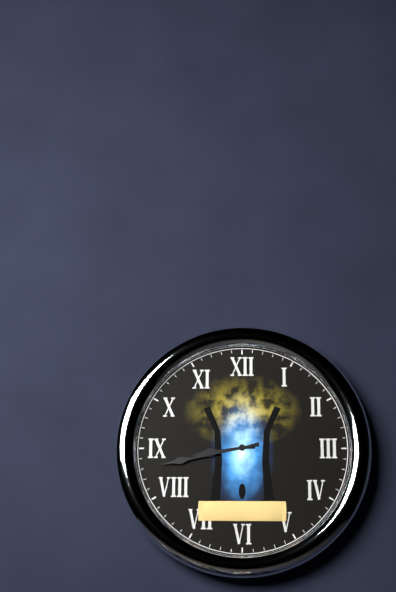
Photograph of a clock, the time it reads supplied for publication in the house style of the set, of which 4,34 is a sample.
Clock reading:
8,43
